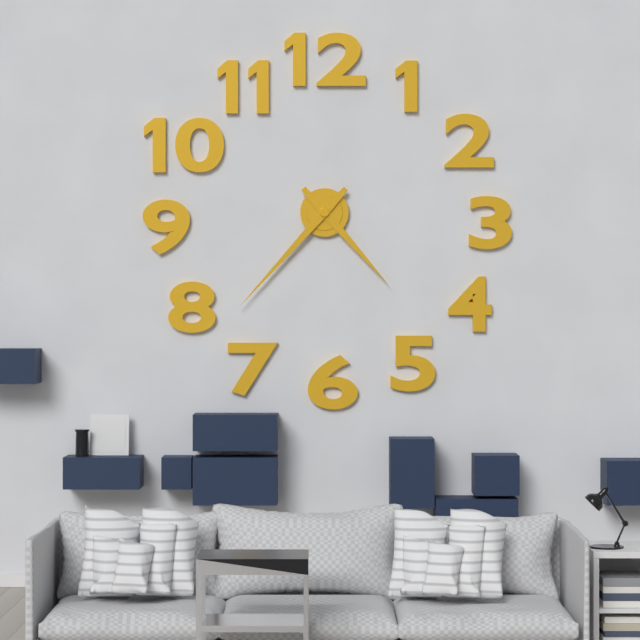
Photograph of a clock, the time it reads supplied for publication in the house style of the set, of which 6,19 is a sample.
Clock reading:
4,37
